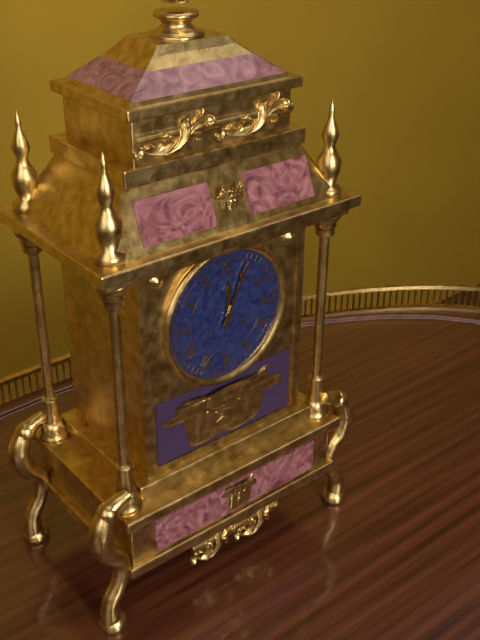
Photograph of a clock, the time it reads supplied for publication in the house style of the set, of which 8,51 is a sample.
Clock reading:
12,04
